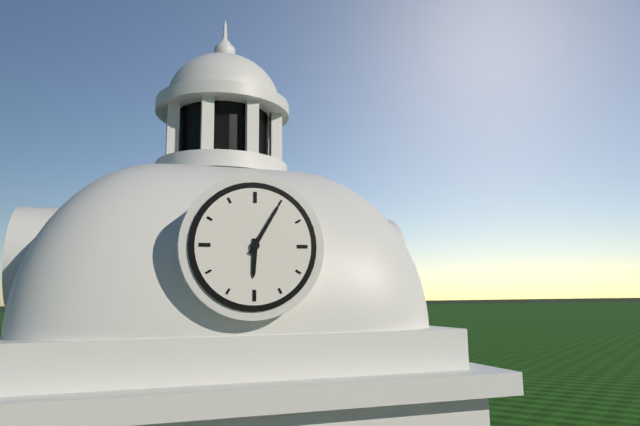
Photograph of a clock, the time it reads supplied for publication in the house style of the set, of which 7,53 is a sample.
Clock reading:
6,05
